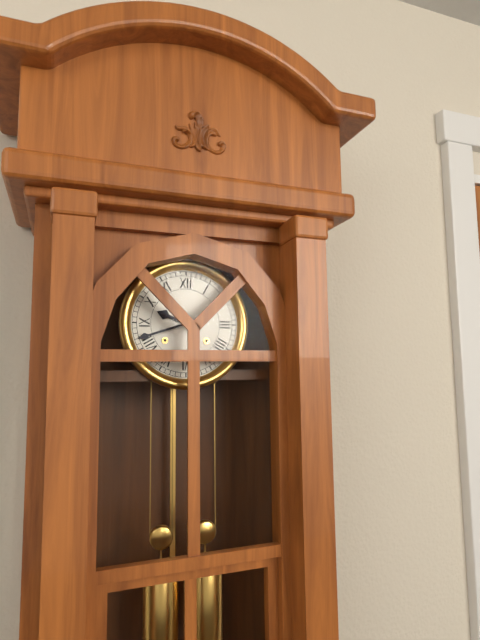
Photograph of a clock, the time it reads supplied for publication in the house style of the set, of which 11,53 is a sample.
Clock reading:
9,42
